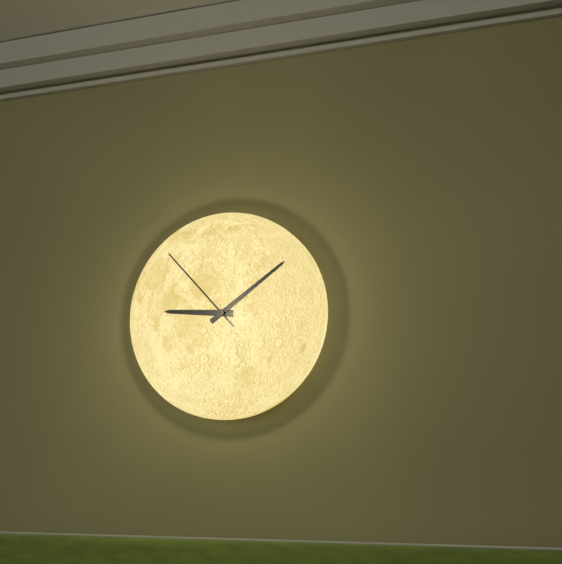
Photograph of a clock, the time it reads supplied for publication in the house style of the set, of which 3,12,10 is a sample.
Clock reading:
9,09,53
